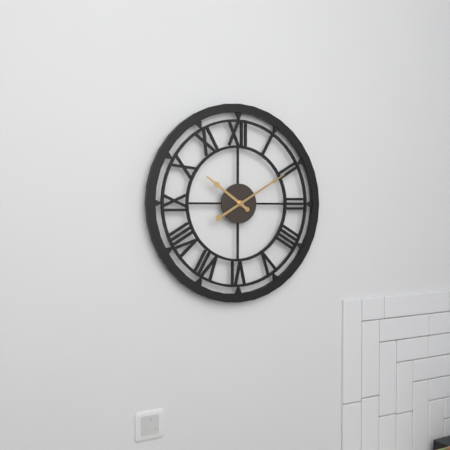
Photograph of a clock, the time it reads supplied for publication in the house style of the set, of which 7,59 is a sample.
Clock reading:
10,10
